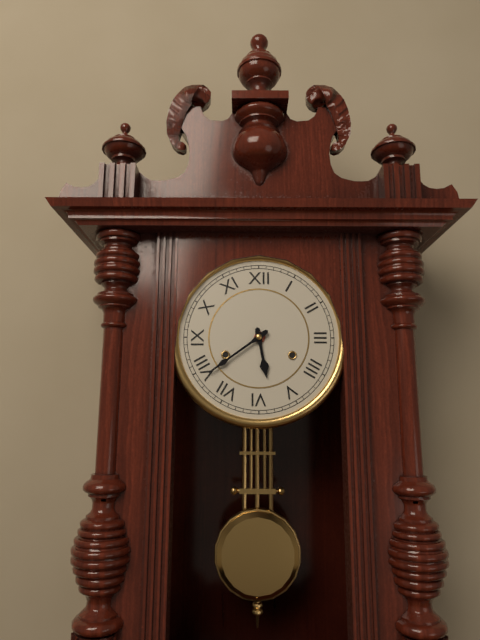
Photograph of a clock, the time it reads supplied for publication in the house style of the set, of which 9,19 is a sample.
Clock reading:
5,39
